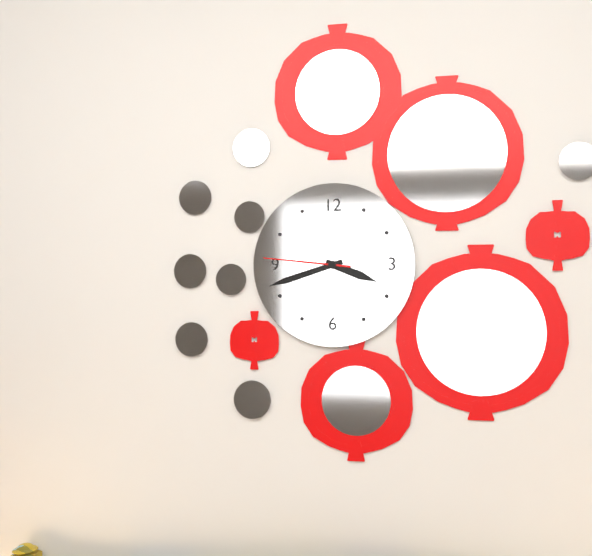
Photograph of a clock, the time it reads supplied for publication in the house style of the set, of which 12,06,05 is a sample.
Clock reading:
3,42,46
